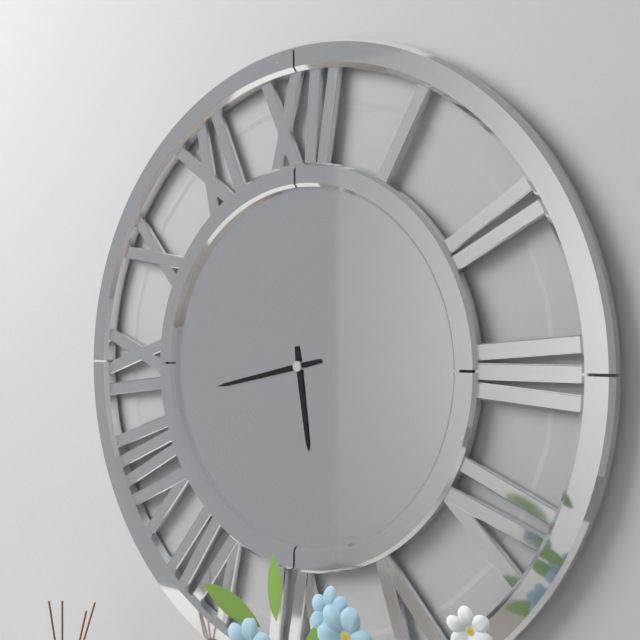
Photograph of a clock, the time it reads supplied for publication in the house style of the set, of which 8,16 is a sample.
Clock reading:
5,43
